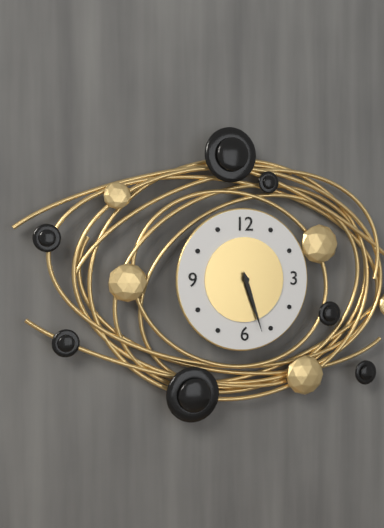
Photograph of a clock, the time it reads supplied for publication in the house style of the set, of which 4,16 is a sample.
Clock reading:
5,27
